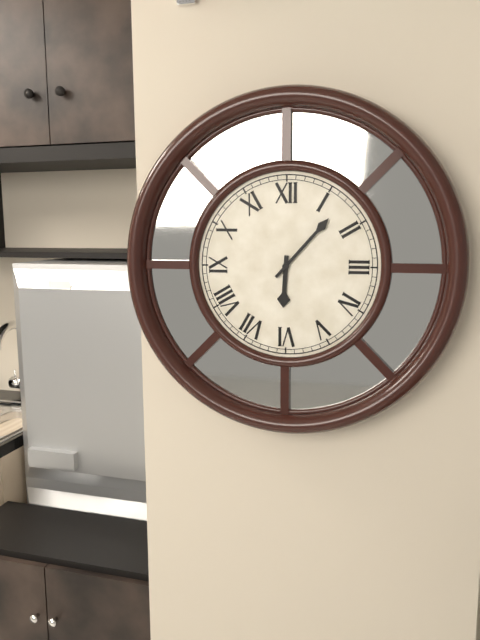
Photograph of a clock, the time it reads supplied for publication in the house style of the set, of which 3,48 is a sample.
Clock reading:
6,07
